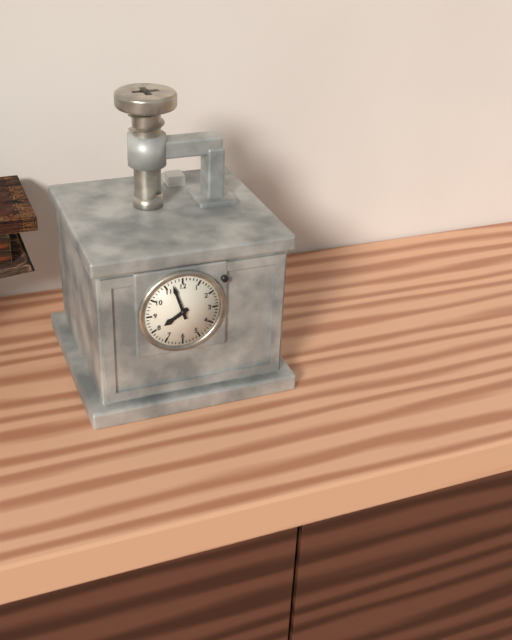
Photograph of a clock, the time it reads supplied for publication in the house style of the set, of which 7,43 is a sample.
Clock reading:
7,57
